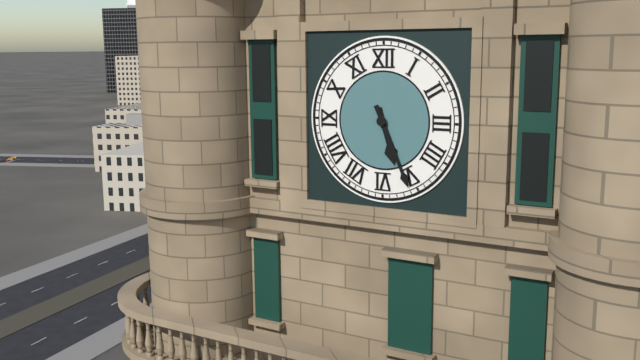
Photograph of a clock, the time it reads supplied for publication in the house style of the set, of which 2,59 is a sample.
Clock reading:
5,26
